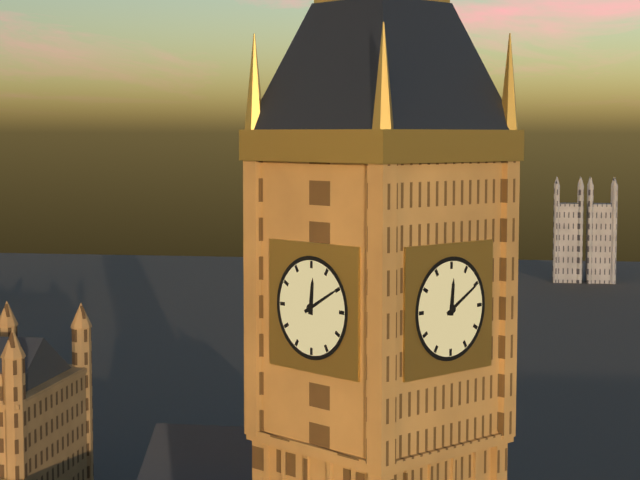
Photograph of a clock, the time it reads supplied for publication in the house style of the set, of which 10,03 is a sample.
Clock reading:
12,10
